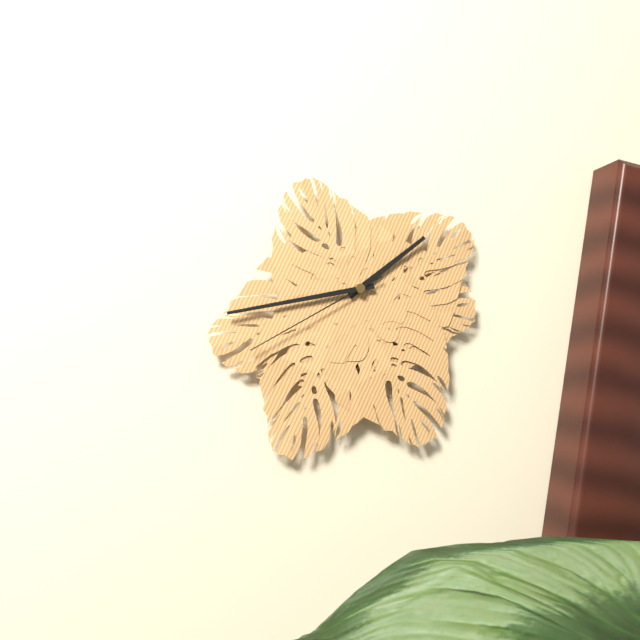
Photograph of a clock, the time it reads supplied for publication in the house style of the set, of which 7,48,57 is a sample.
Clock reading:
1,43,40
